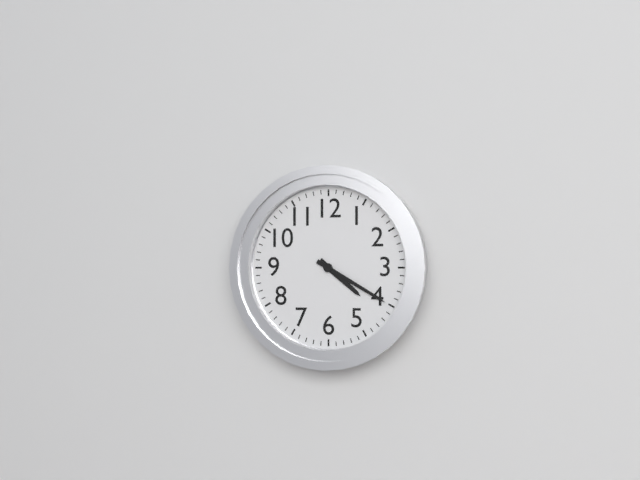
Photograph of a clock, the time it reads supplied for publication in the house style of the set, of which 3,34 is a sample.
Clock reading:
4,20
